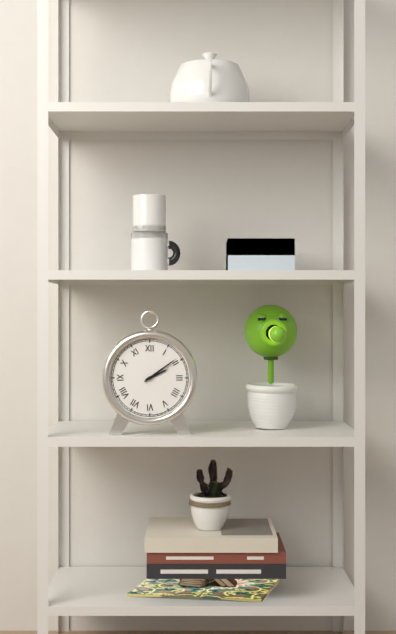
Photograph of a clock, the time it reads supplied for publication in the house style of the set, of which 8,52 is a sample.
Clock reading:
2,09
